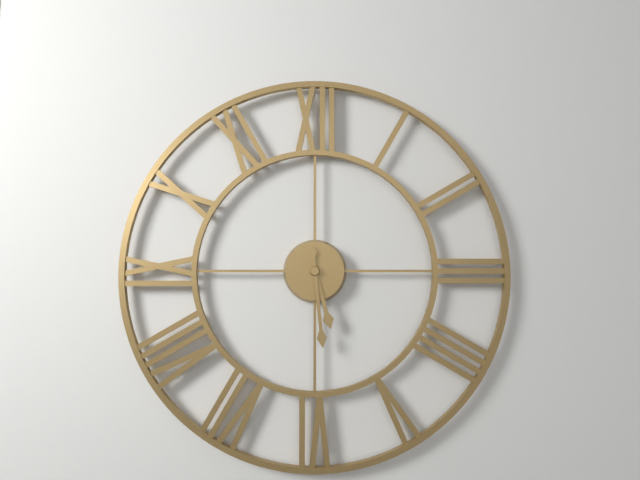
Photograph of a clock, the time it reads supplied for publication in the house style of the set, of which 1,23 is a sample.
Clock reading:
5,29
